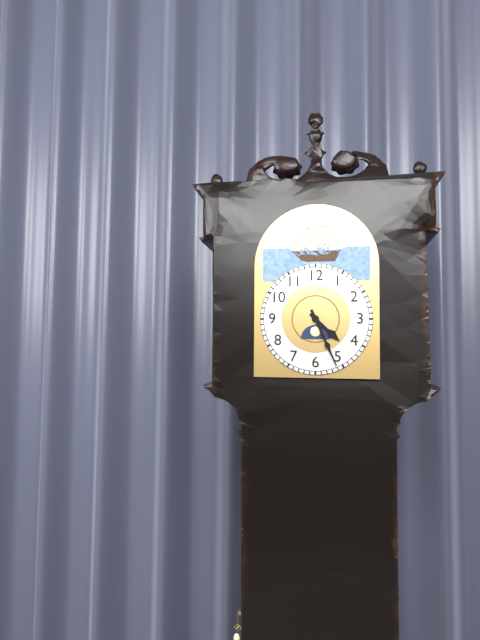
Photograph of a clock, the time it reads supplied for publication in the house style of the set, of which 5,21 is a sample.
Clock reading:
4,26
